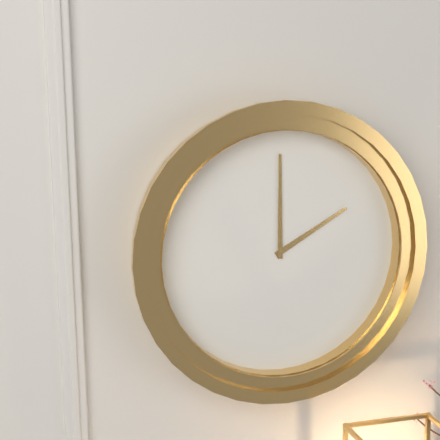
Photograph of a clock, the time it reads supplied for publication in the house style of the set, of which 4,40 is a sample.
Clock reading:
2,00
